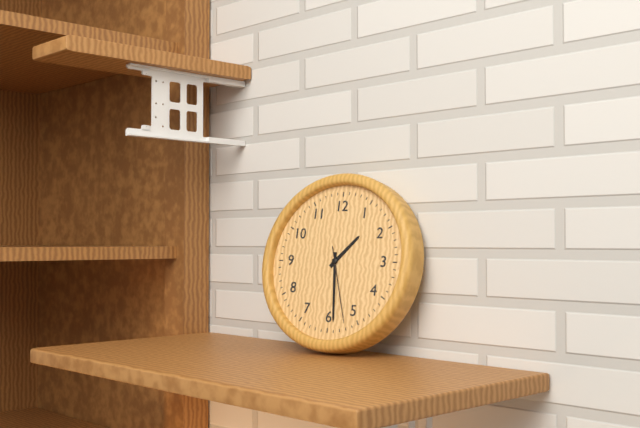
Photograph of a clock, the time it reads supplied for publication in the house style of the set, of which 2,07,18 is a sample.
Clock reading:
1,29,27
